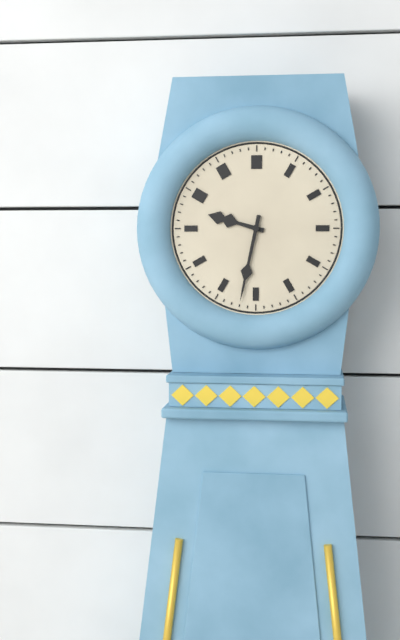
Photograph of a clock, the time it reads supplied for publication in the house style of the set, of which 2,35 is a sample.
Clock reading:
9,32
